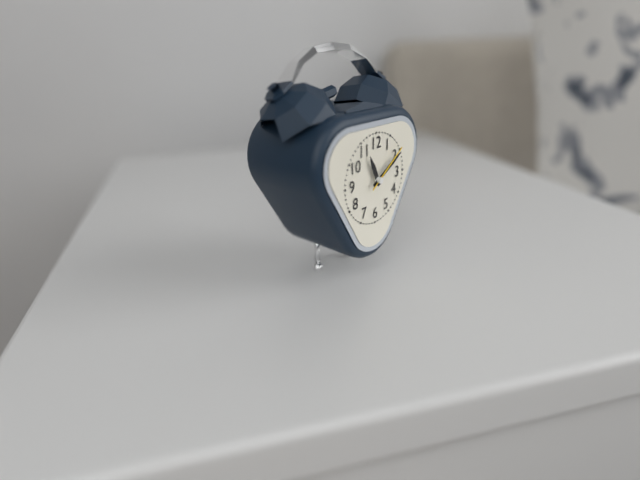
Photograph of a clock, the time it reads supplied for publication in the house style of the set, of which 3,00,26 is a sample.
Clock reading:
11,10,09
